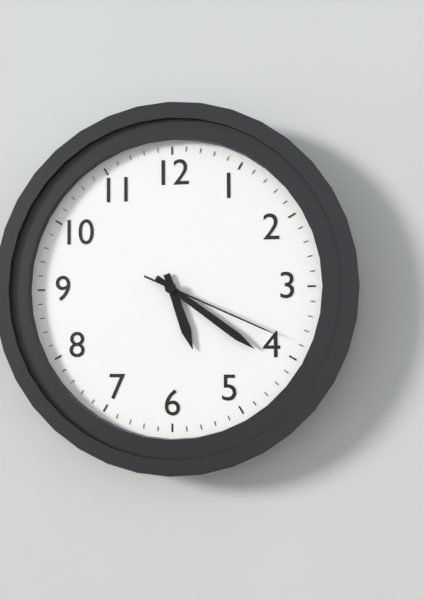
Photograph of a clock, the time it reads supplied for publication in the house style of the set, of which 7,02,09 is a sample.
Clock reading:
5,21,19
